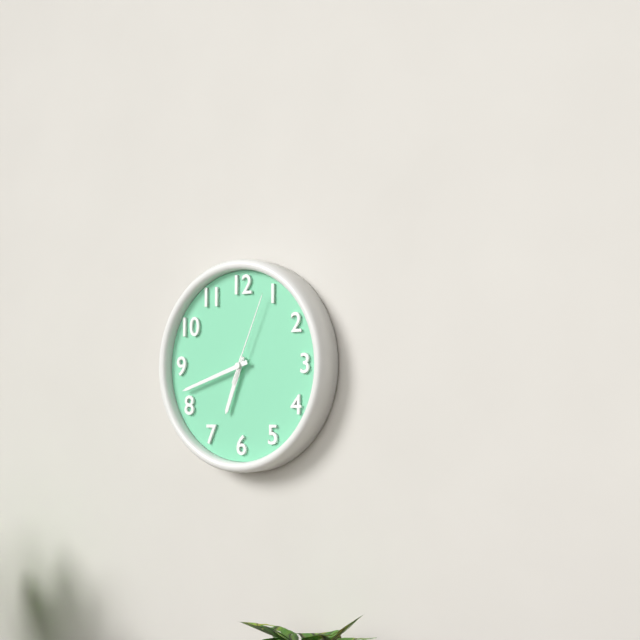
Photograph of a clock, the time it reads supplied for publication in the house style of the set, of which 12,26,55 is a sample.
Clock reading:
6,42,04
